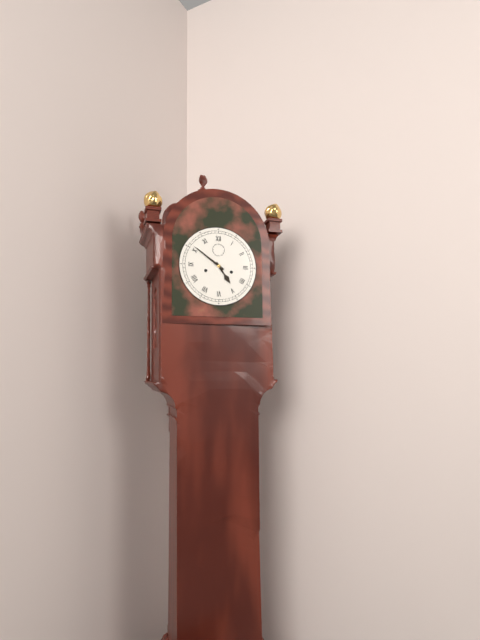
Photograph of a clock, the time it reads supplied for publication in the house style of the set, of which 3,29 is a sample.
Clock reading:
4,51
